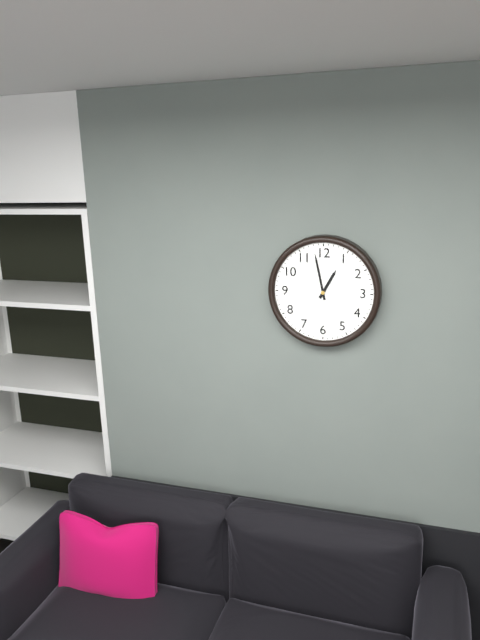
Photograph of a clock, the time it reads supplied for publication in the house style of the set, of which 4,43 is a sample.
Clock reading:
12,58
